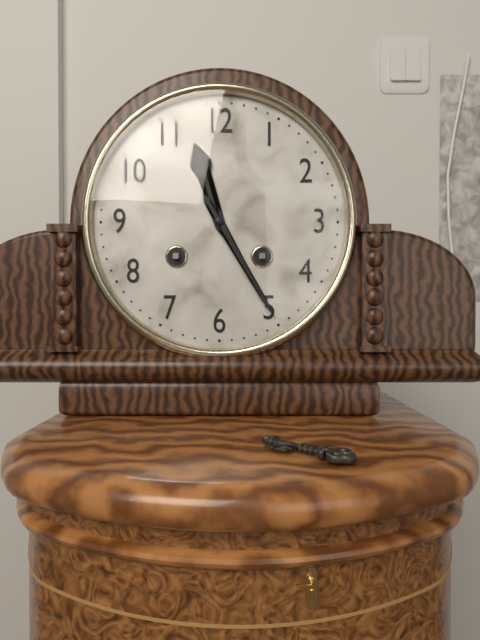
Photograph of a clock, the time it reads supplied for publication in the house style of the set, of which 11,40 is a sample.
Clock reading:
11,25
